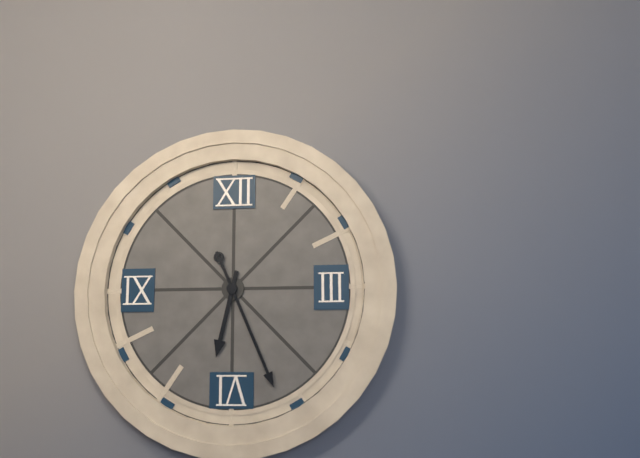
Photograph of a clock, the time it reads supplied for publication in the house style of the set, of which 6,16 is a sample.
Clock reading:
6,26
